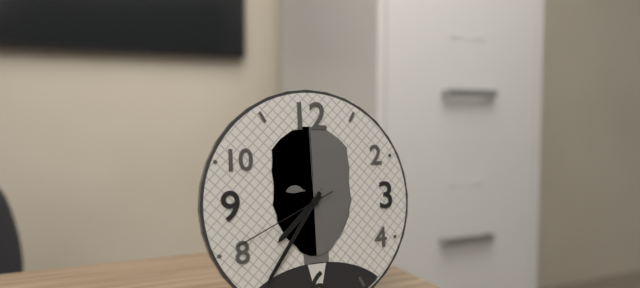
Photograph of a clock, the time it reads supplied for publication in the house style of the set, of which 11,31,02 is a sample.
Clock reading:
7,36,41
